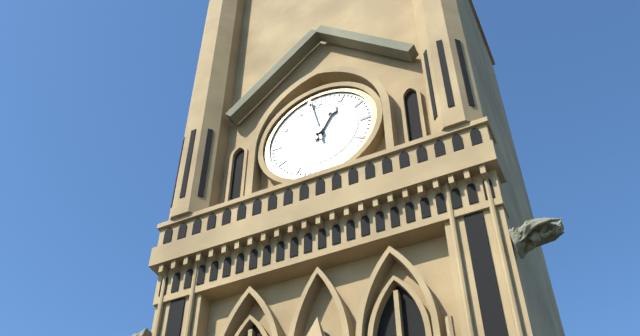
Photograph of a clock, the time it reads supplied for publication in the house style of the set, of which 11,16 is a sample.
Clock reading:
12,58
